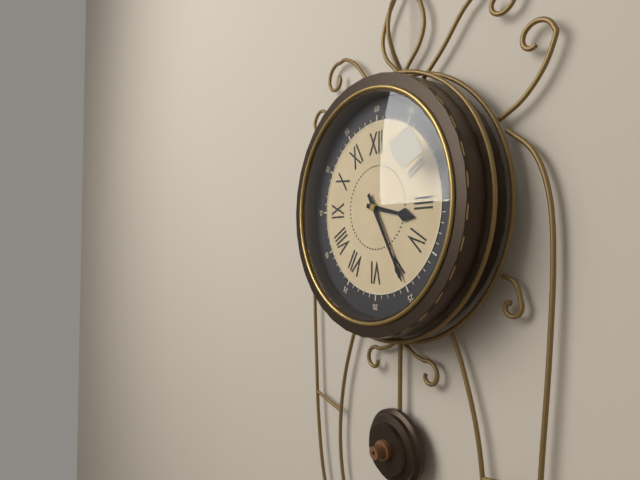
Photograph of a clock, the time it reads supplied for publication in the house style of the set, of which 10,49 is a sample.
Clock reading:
3,25
